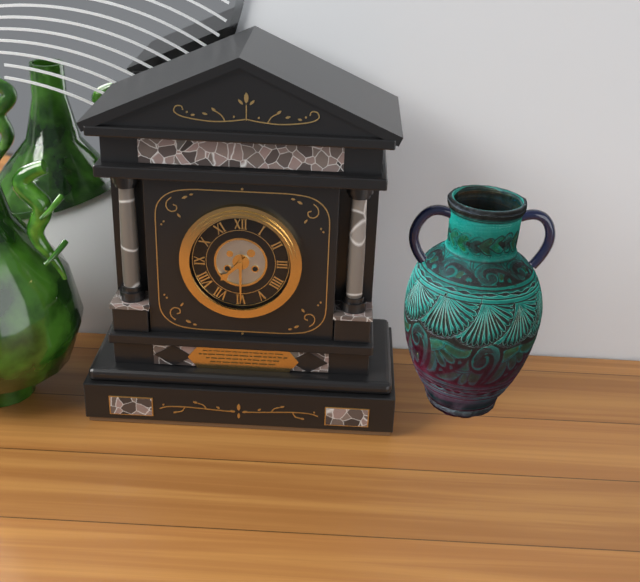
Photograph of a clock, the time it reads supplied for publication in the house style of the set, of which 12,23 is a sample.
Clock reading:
7,30
